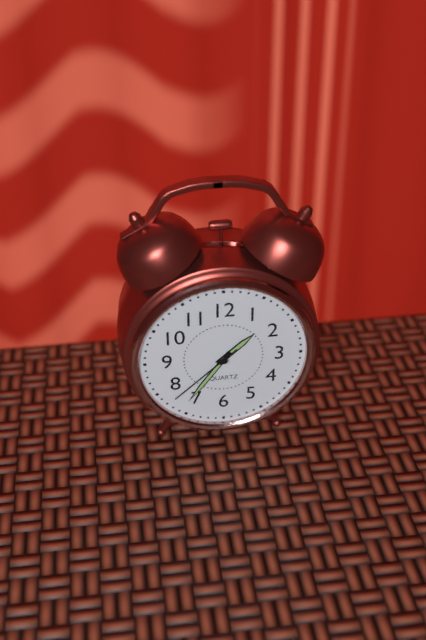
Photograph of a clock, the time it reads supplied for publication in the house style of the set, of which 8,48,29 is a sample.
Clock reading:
1,36,38
